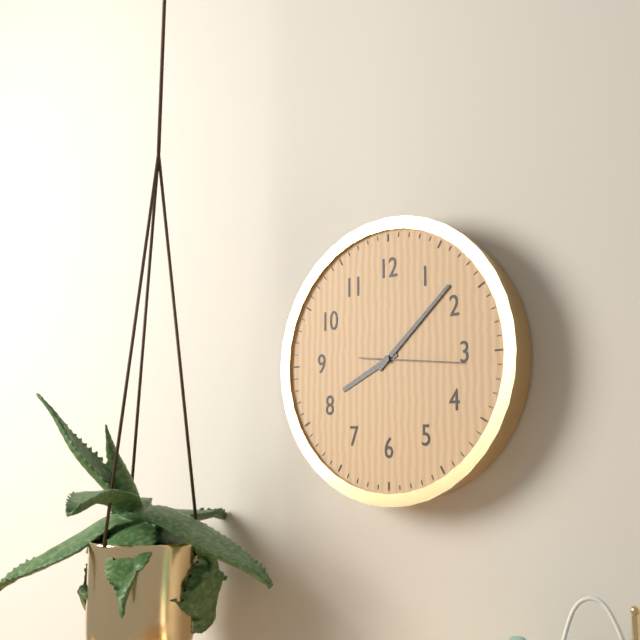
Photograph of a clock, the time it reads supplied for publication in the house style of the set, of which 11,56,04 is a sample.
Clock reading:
8,08,16
